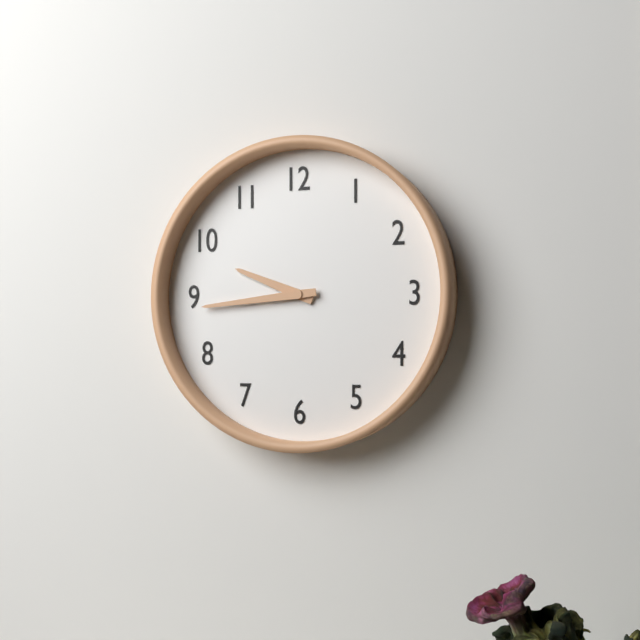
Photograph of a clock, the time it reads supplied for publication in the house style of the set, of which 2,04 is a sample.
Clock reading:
9,44
